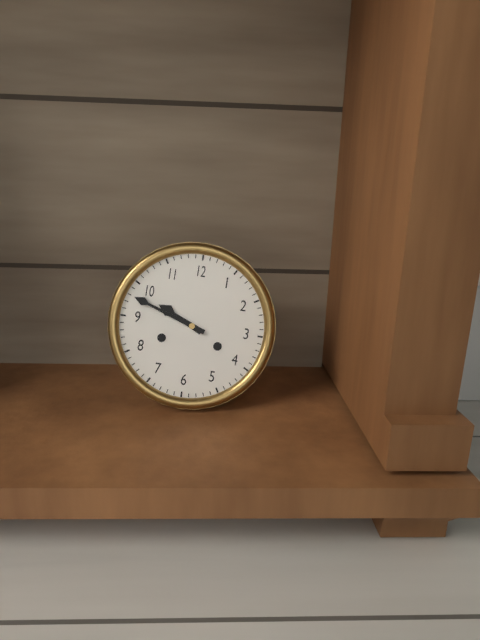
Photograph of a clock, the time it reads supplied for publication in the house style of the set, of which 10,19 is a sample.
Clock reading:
9,48
